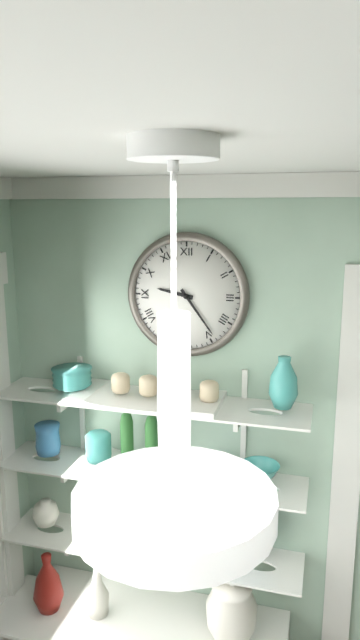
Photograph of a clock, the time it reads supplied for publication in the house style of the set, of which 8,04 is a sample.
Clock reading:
9,24
